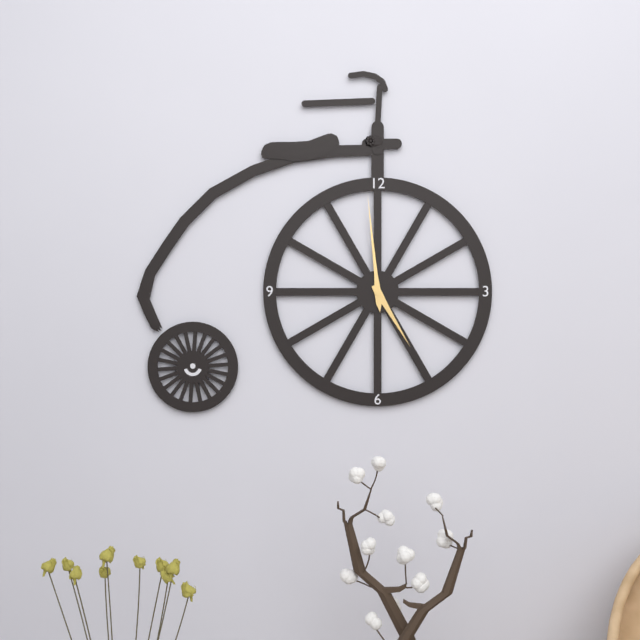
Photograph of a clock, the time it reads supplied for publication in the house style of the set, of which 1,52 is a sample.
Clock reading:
4,59
